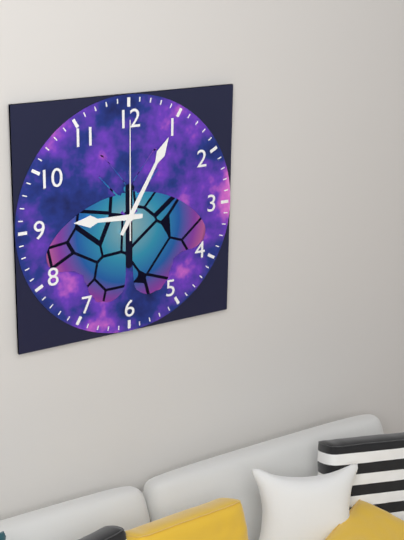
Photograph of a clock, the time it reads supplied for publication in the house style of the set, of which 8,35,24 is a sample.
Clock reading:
9,05,00
